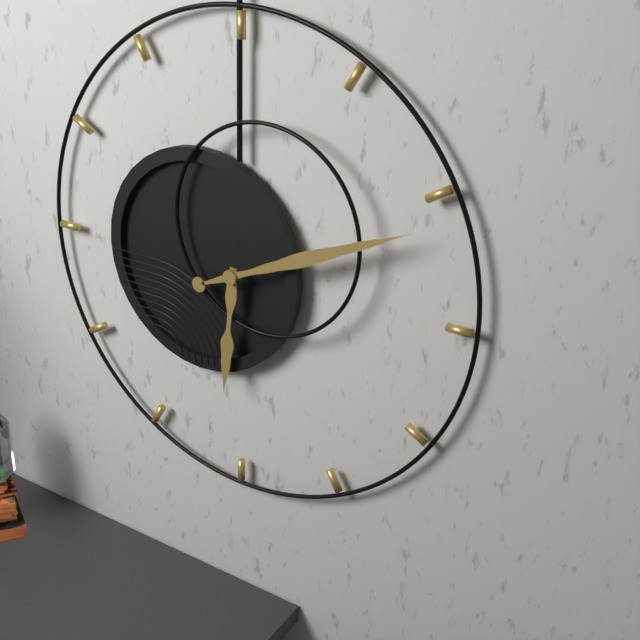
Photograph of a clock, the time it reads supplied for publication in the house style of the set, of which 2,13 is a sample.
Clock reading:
6,11
